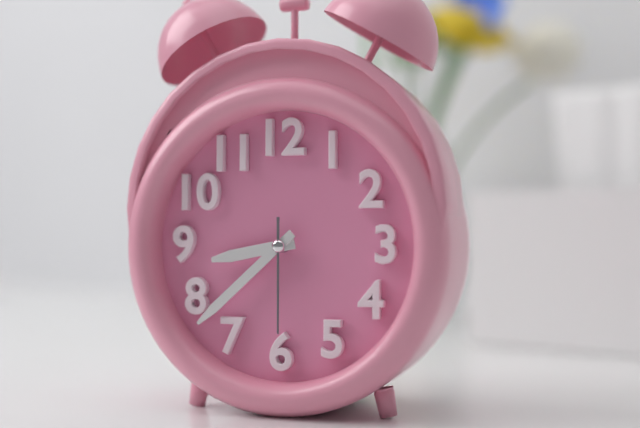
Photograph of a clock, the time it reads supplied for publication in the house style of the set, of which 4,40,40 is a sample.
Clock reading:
8,38,30
